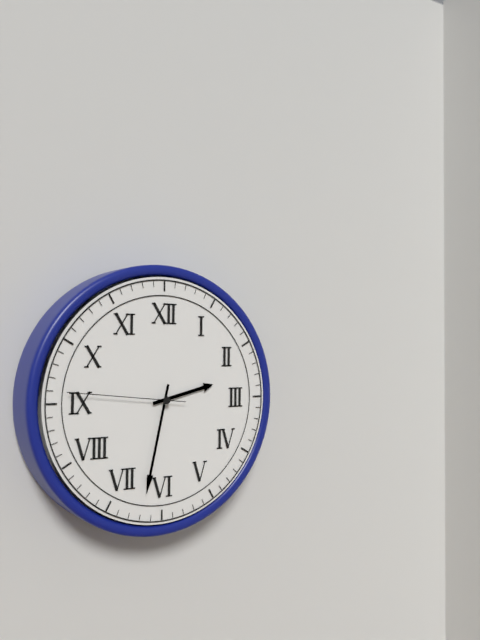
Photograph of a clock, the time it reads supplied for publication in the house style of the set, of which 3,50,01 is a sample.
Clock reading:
2,32,46
